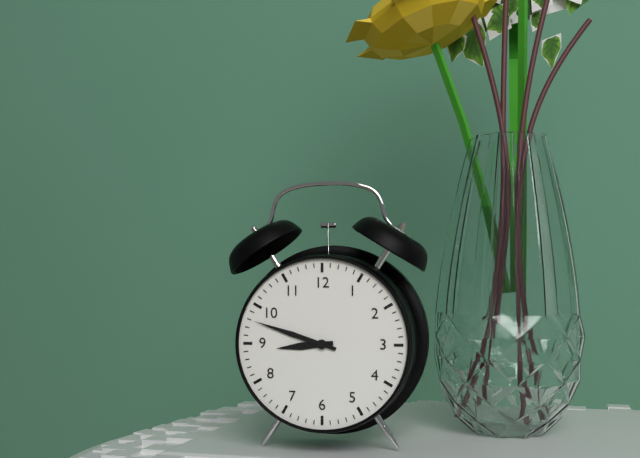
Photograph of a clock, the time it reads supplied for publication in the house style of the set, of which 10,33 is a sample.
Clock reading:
8,48
